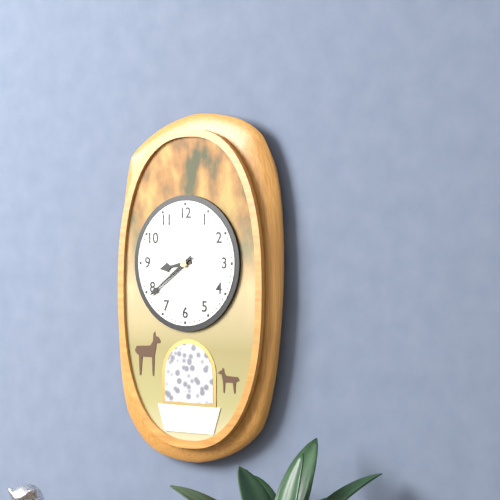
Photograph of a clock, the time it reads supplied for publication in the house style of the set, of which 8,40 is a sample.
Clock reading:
8,39
